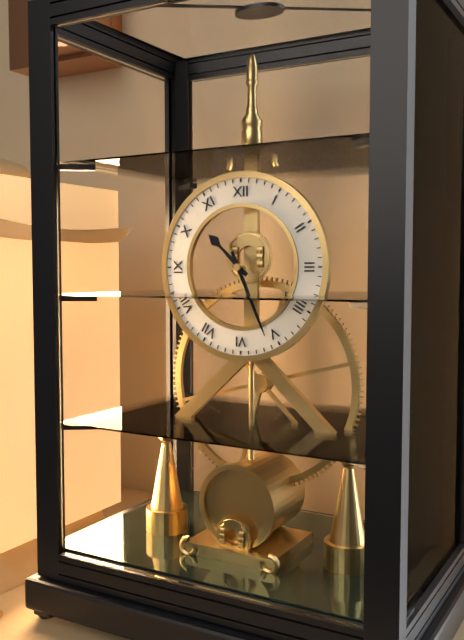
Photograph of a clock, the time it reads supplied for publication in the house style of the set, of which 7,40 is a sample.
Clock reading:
10,26
